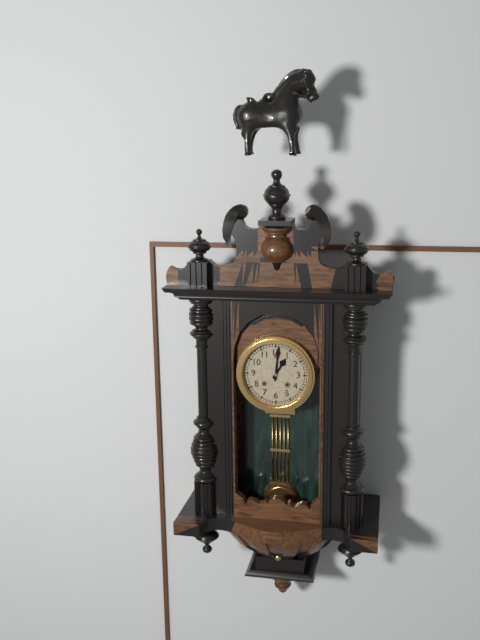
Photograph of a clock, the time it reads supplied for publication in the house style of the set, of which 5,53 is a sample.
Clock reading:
1,01
